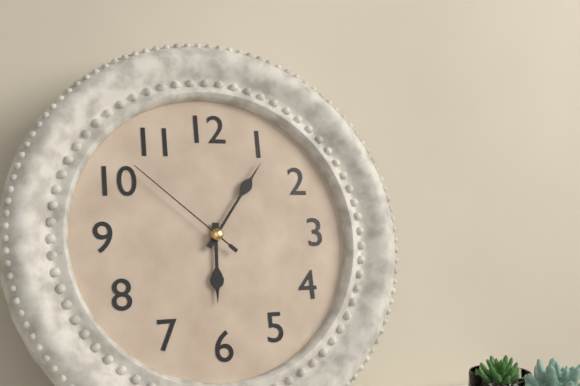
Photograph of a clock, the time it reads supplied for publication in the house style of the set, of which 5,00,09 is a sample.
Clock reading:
6,06,52
